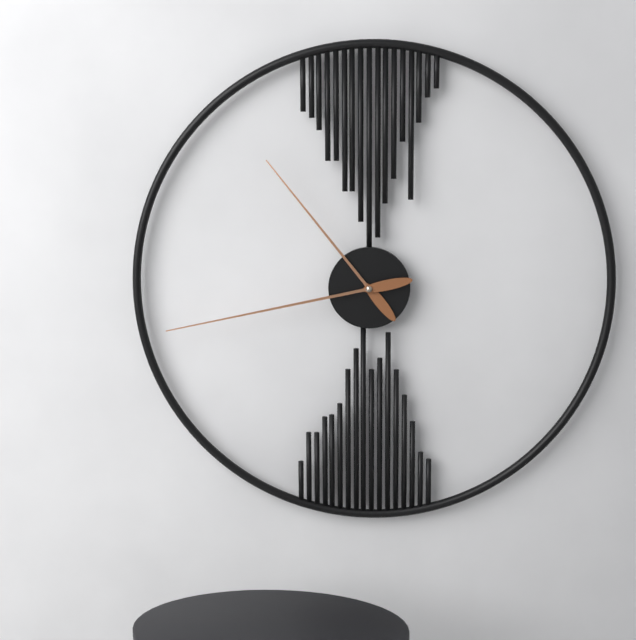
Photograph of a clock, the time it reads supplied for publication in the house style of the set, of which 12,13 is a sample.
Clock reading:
10,43
